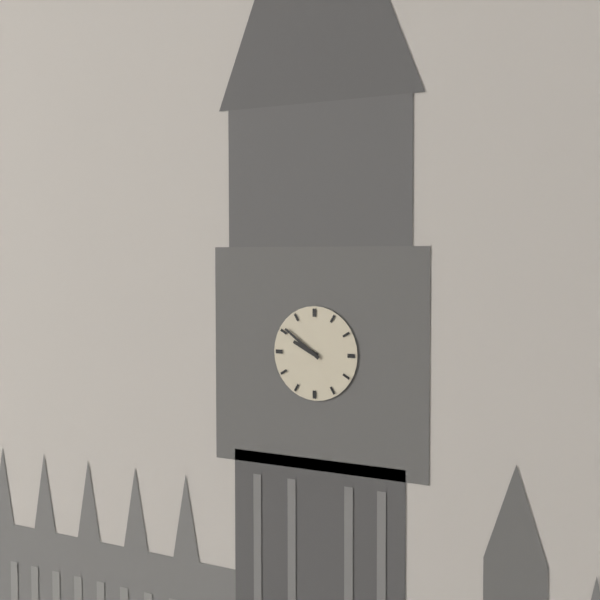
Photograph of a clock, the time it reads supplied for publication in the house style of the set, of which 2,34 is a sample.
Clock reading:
9,51
